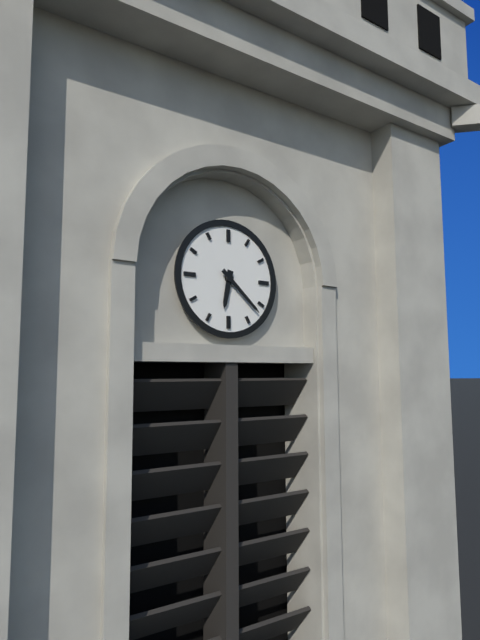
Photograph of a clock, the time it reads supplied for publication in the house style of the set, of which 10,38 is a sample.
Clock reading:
6,22
